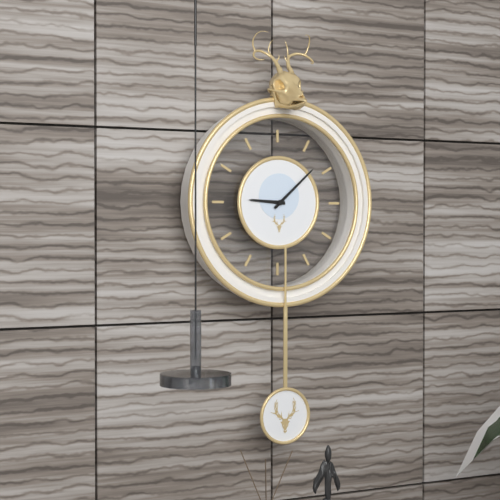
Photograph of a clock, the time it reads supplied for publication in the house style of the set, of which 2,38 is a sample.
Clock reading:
9,08
